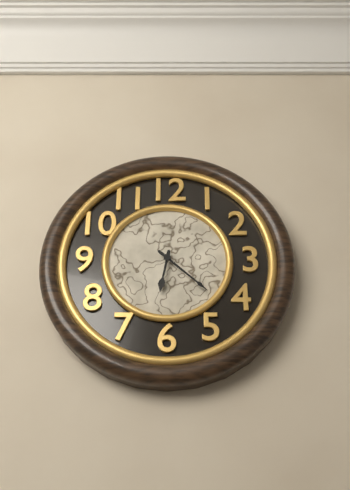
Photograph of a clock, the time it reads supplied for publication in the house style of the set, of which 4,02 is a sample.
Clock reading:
6,22
